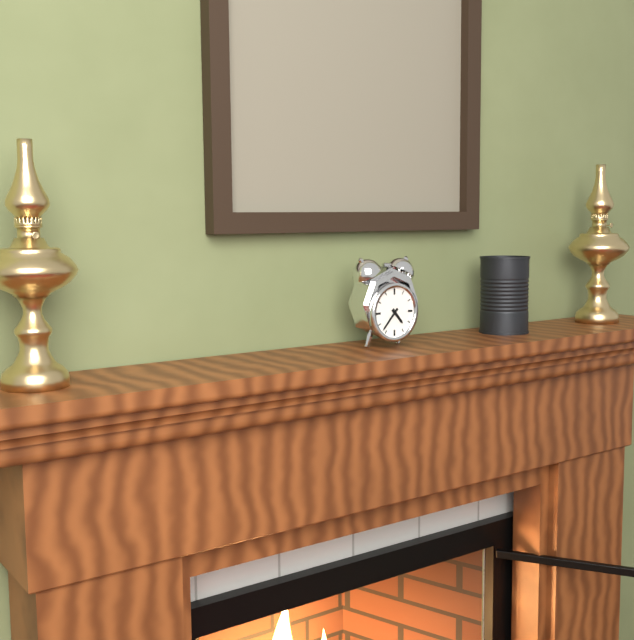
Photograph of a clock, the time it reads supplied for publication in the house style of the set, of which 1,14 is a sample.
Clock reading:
4,37
